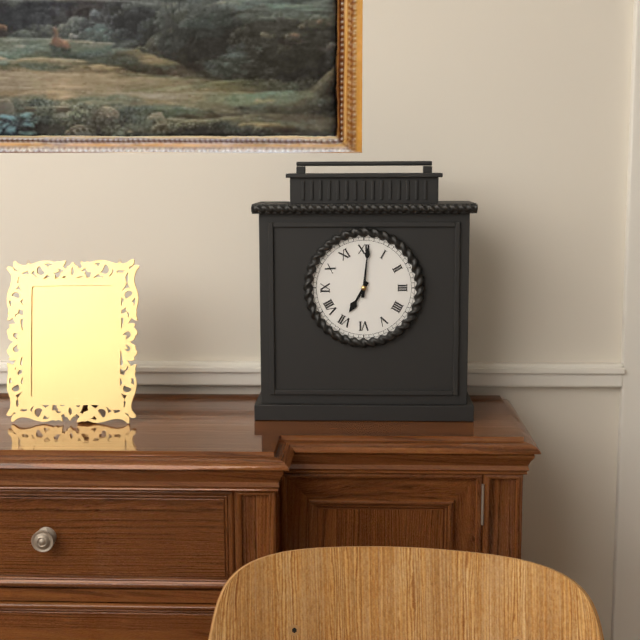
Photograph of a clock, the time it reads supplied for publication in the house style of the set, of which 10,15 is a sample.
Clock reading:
7,01
